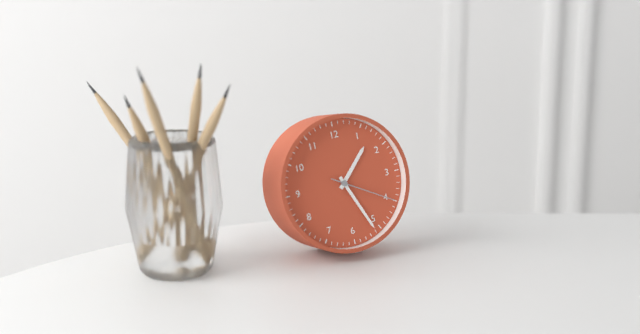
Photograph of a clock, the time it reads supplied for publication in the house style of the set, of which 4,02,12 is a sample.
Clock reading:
1,26,20
